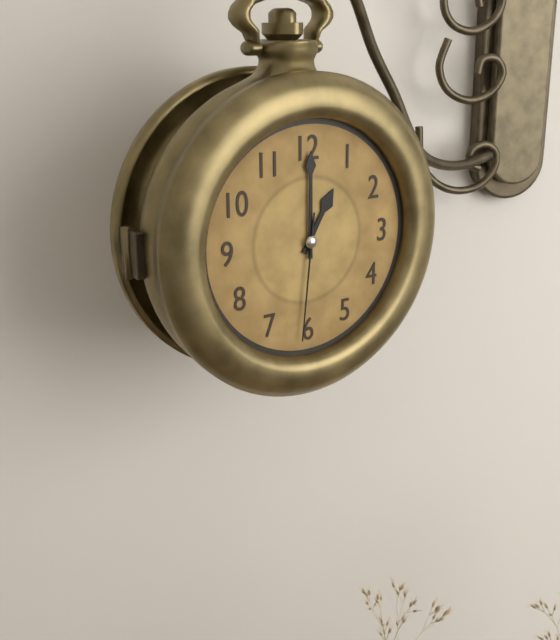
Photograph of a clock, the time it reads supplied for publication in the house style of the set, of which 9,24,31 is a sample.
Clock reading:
1,00,31
